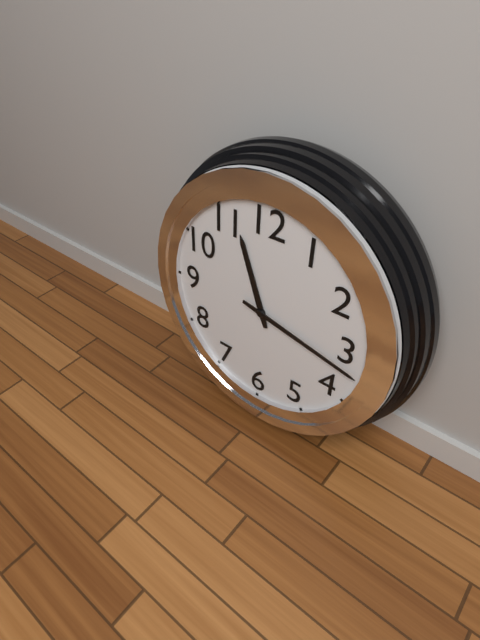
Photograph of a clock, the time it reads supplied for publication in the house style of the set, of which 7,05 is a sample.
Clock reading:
11,17
